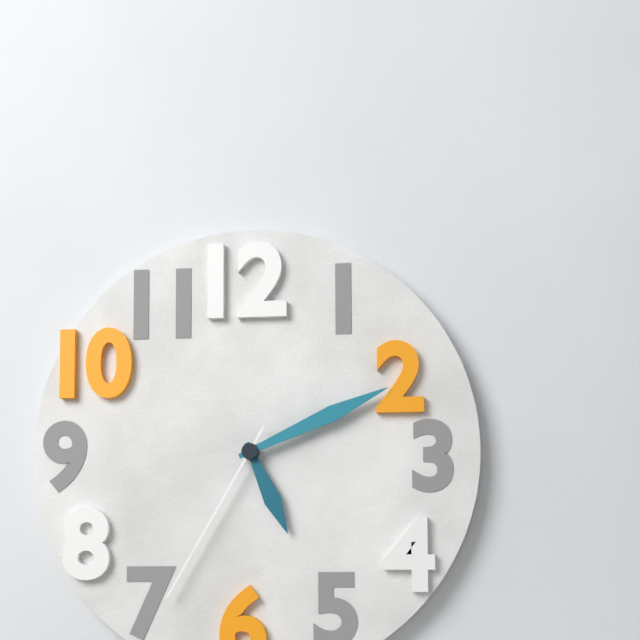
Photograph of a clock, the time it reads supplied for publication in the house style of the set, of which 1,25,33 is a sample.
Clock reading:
5,11,35
